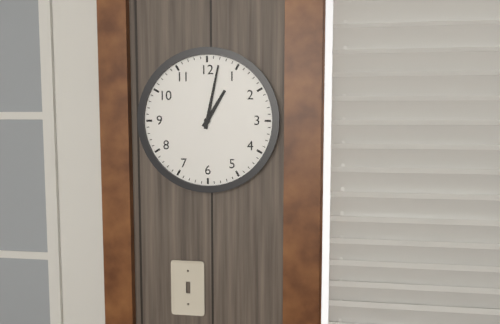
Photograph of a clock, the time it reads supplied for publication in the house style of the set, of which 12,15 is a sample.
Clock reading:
1,02
